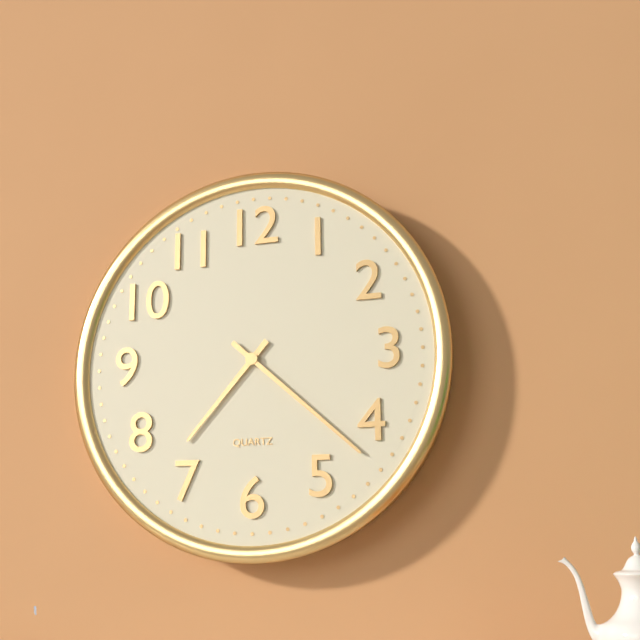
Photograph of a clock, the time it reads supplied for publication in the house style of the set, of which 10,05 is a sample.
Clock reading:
7,22
